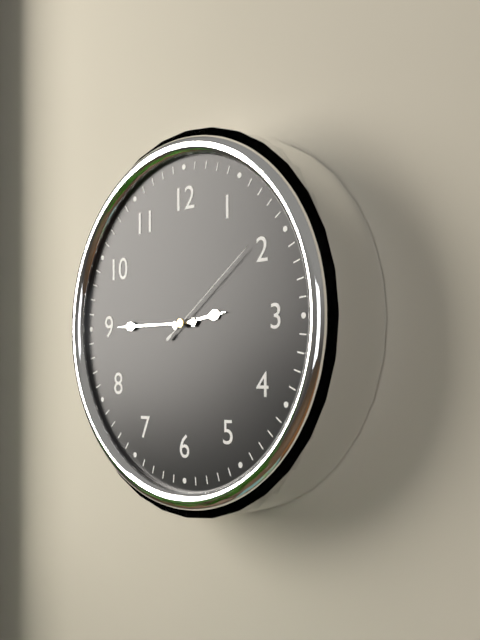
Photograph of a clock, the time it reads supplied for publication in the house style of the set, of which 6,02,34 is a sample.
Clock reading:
2,45,09
